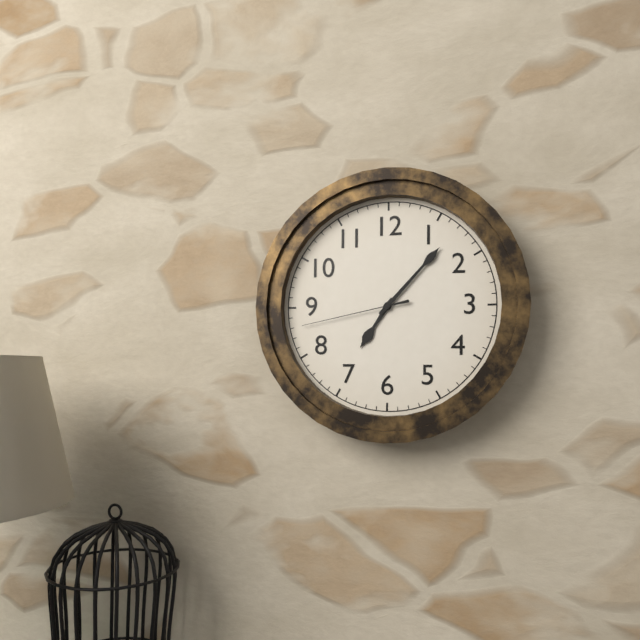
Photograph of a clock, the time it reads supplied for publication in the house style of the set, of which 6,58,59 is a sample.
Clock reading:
7,07,43
